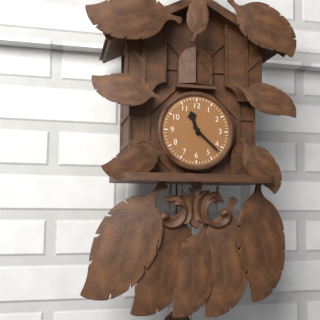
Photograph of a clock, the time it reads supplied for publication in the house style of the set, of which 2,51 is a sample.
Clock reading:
11,22
